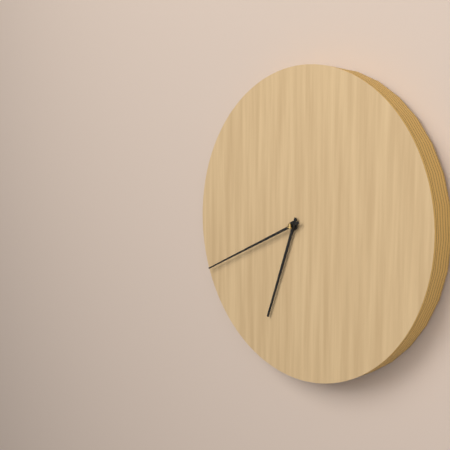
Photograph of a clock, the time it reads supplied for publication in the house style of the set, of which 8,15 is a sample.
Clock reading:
6,41
